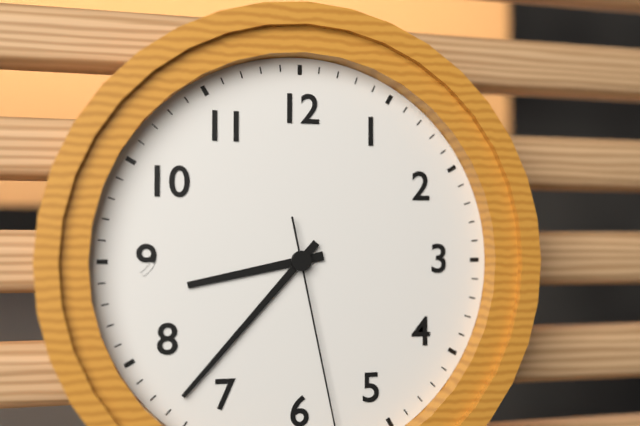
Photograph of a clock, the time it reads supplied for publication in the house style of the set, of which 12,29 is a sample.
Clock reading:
8,37
